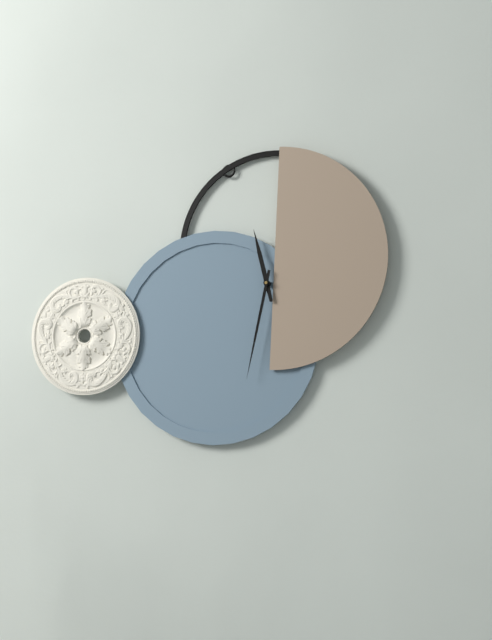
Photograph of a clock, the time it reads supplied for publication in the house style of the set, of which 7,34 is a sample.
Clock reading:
11,32
